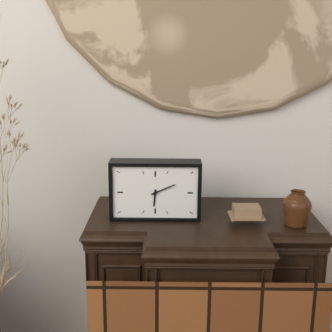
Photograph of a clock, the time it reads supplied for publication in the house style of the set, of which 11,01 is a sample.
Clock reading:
6,11
